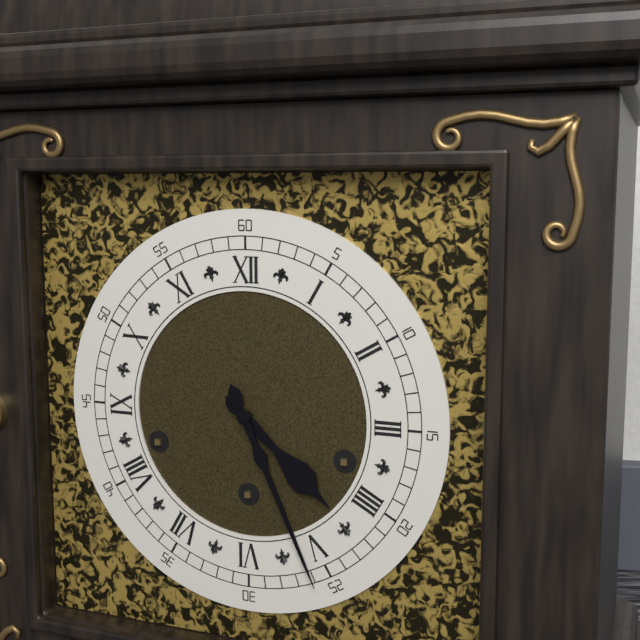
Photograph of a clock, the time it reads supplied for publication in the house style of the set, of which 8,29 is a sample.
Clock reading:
4,26
